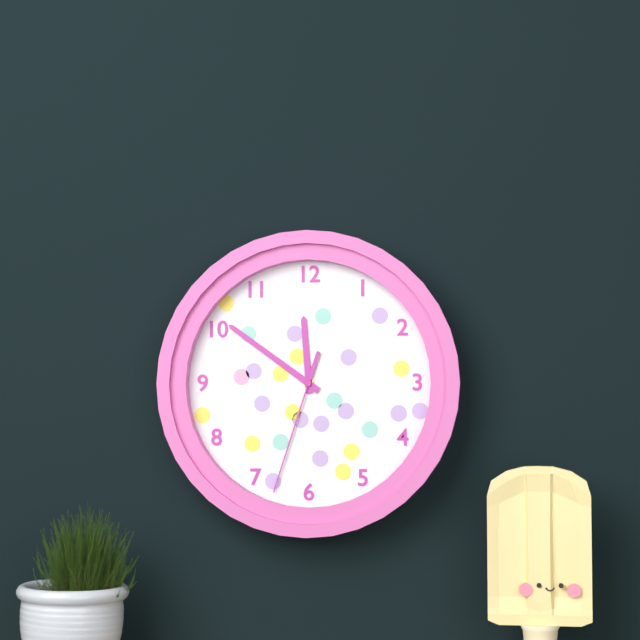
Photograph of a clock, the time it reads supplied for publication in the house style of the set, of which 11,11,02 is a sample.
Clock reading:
11,51,33
